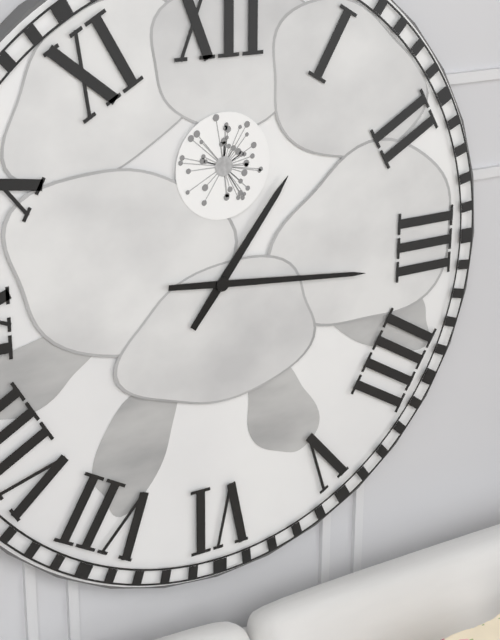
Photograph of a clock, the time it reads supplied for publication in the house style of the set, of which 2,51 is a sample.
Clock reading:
1,16
